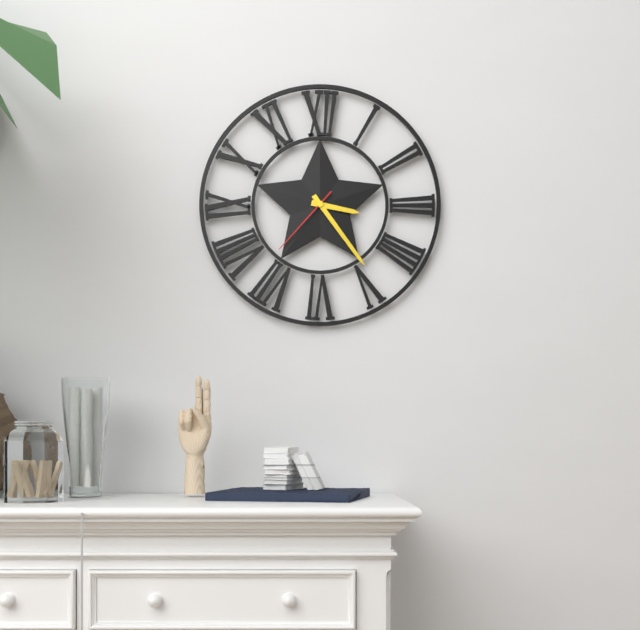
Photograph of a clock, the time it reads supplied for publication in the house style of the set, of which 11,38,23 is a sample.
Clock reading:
3,24,37
